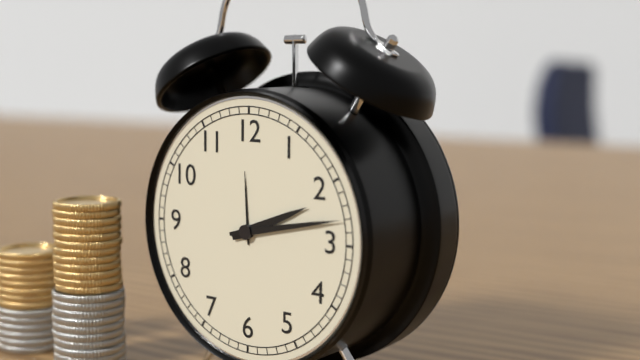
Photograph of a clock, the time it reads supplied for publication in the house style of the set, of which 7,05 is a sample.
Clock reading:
2,13
